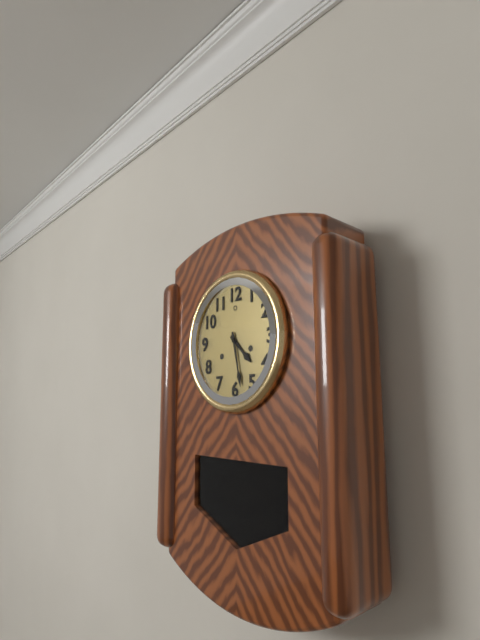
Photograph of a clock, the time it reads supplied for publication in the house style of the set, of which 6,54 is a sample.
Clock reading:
4,28
